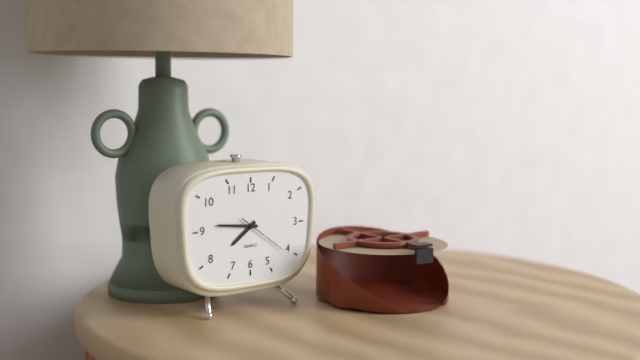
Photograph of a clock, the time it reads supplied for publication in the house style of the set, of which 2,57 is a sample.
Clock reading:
7,46
